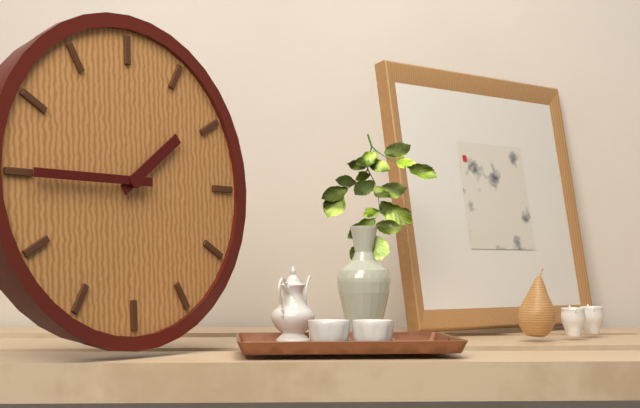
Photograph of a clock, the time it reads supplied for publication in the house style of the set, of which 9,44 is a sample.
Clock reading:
1,45
